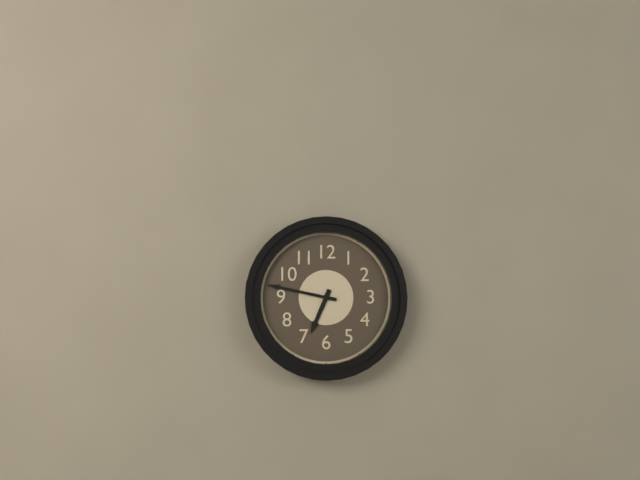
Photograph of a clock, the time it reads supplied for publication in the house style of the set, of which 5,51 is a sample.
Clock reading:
6,47
